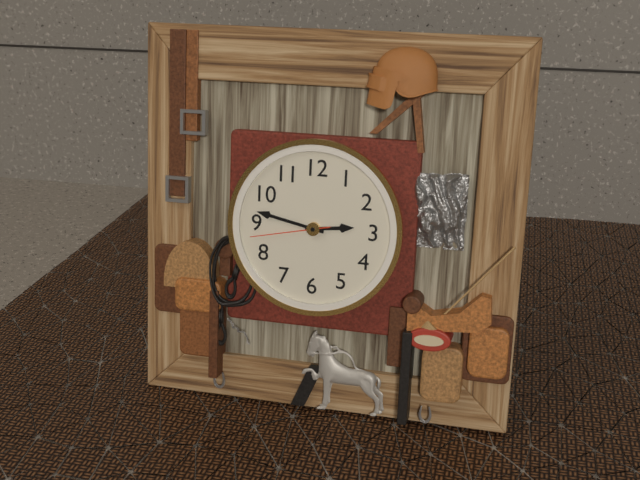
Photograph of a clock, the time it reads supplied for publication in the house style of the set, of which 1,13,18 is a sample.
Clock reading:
2,47,43
